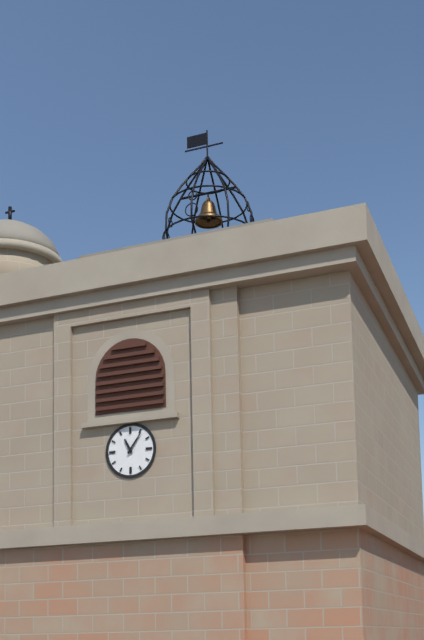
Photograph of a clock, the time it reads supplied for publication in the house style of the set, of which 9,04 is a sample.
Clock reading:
11,06
